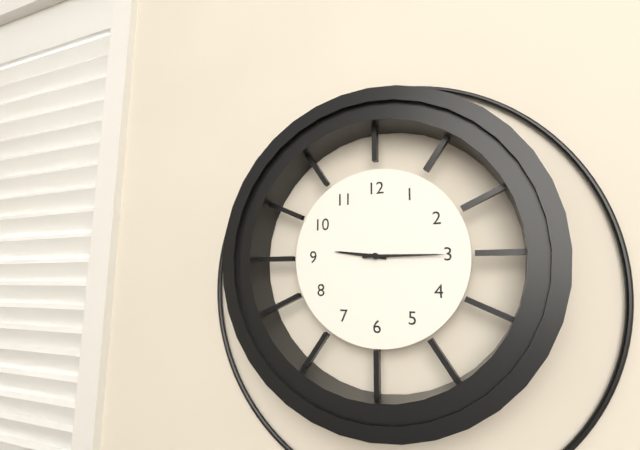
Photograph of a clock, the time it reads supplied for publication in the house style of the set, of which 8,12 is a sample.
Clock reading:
9,15
